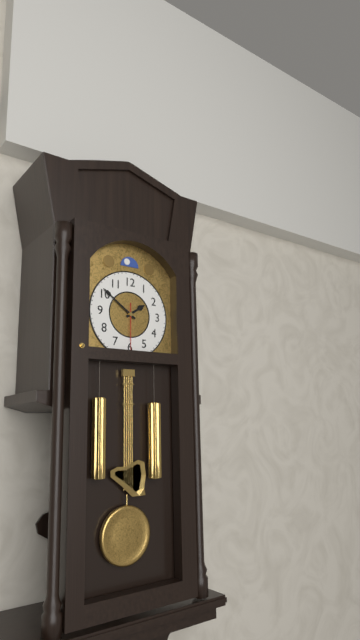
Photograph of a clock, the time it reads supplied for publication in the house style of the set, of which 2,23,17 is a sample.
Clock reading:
1,51,30
